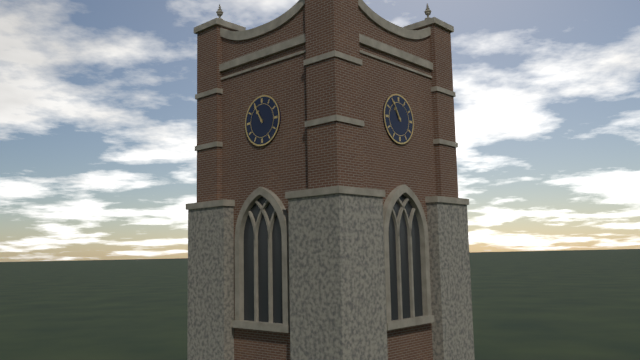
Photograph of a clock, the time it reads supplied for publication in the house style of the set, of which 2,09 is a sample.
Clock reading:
10,55
